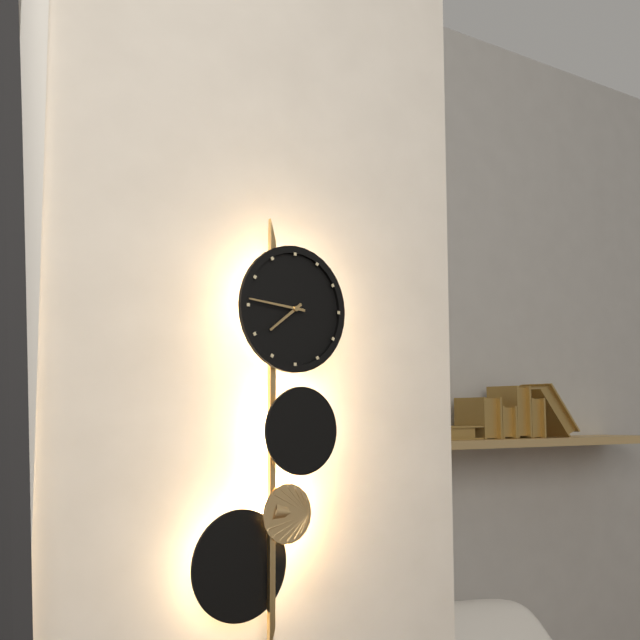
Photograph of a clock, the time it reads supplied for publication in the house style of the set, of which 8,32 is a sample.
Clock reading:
7,46
